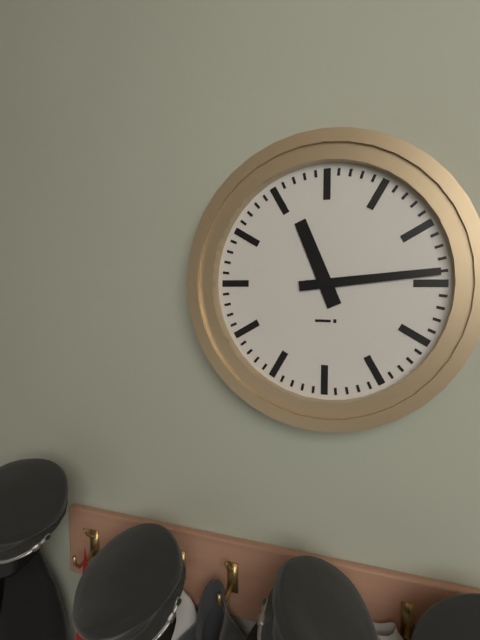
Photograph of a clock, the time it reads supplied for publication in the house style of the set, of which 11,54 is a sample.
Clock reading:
11,14
